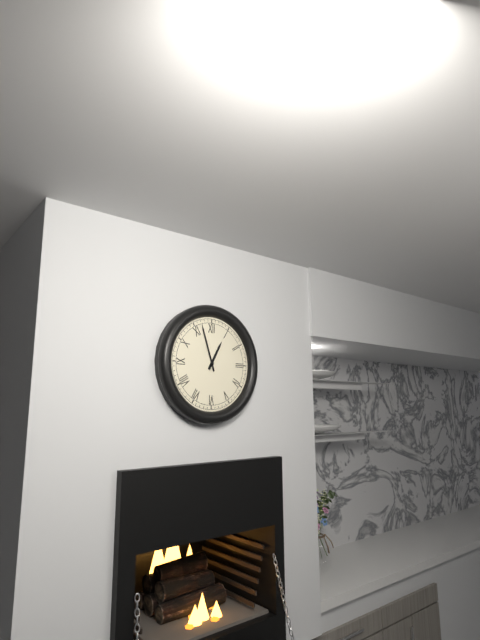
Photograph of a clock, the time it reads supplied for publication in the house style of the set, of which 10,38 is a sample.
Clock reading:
12,57
